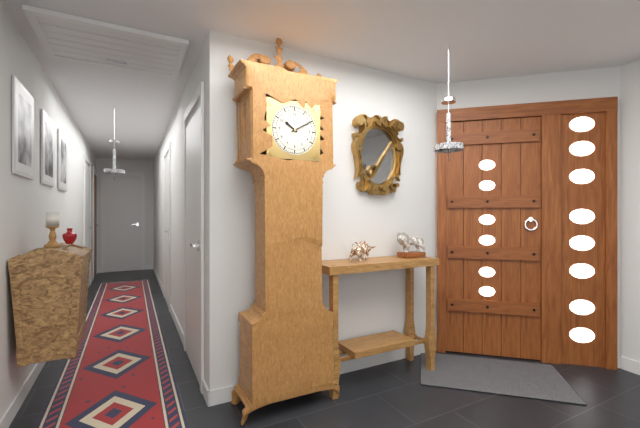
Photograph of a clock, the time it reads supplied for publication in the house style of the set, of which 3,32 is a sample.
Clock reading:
10,10
